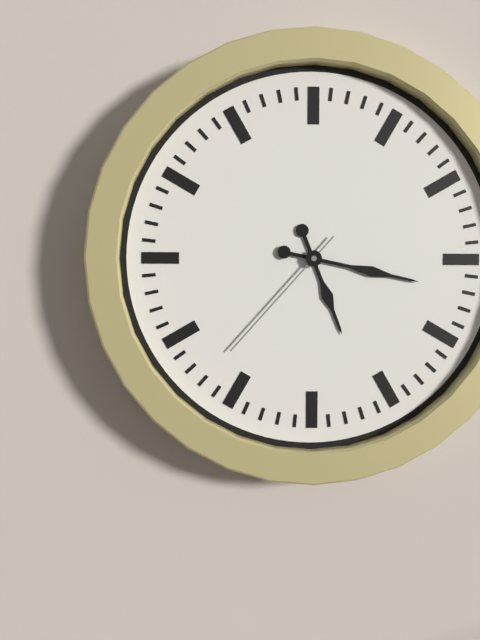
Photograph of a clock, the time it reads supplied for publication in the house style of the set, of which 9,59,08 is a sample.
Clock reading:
5,17,37
